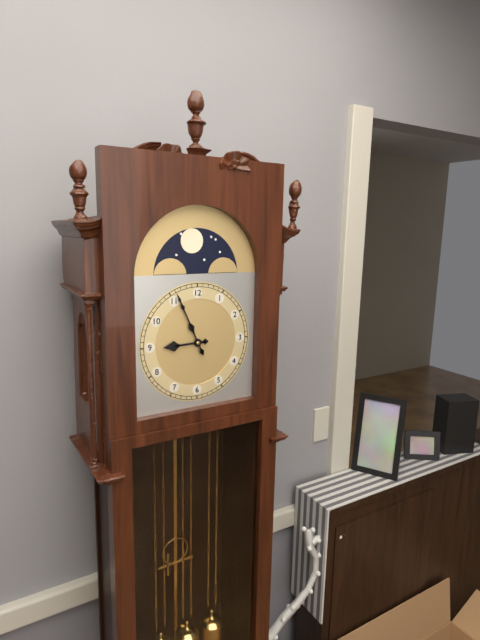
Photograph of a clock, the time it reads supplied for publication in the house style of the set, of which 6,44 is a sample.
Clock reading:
8,56
